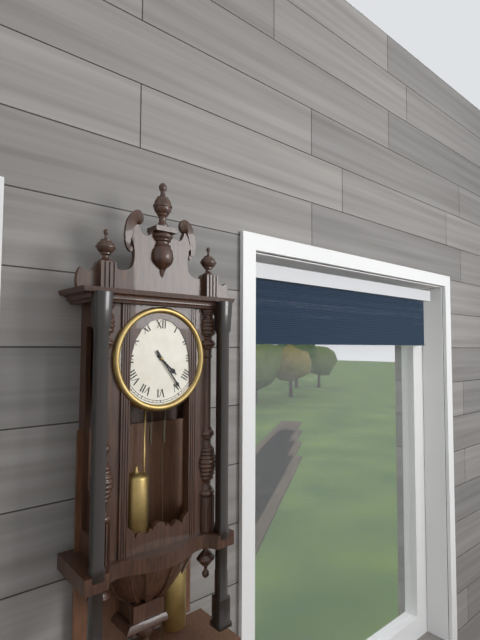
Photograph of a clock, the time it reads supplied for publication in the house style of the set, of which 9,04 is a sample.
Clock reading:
4,24
